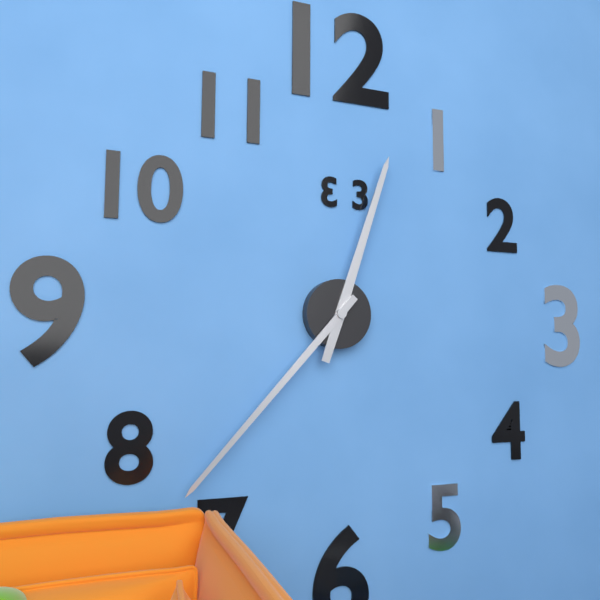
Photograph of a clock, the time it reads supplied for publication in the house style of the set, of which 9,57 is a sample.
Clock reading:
12,37
